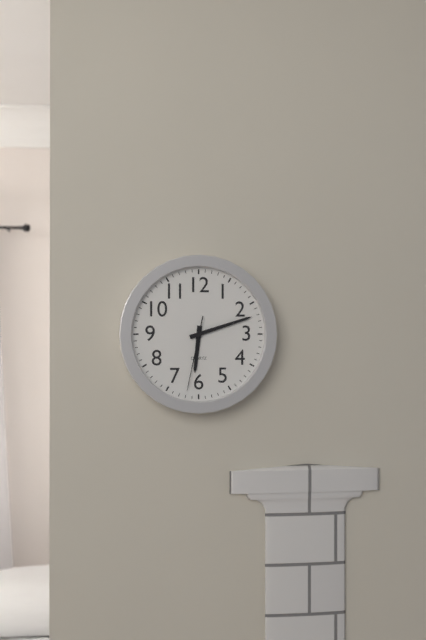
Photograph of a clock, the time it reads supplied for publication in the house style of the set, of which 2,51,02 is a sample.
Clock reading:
6,12,32
